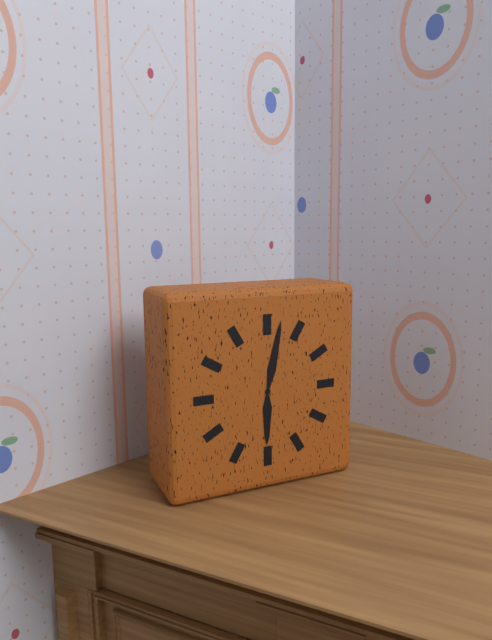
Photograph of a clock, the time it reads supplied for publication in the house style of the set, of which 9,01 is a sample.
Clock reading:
6,02
